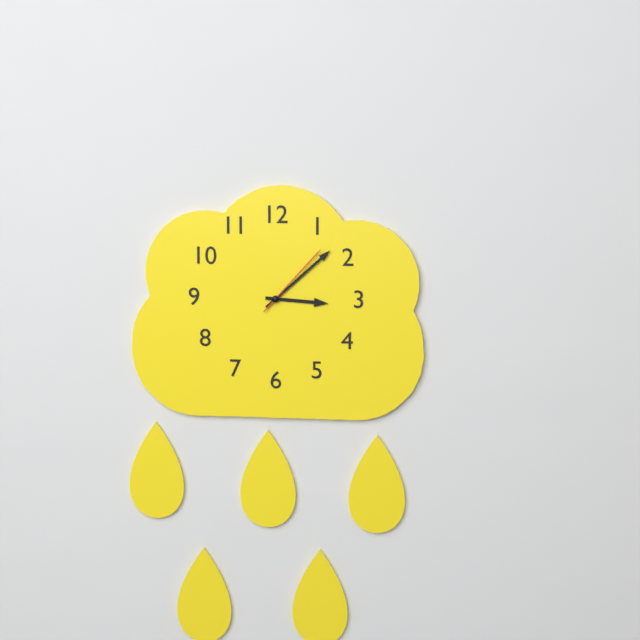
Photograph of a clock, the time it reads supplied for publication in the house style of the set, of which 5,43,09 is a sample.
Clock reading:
3,08,07
